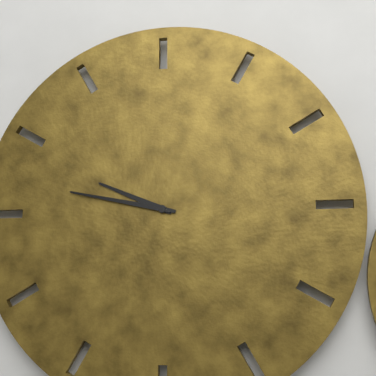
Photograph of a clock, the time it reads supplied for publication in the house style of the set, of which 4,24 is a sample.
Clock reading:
9,47
